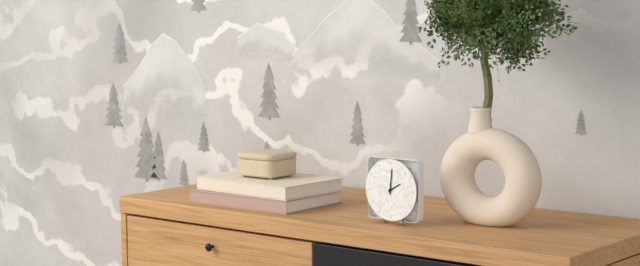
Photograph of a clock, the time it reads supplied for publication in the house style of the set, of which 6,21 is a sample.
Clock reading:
2,01
